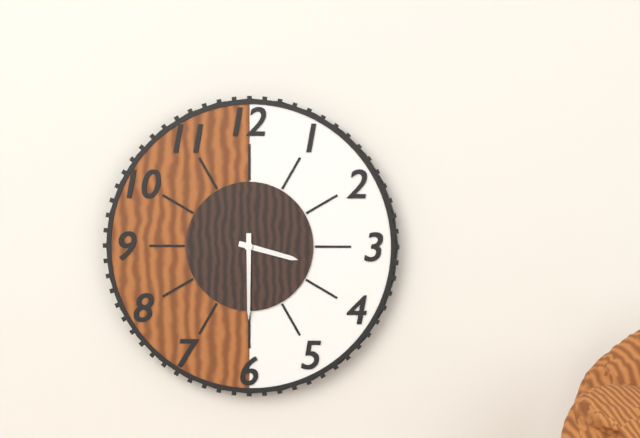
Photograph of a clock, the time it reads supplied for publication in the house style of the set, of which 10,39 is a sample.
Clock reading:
3,30
